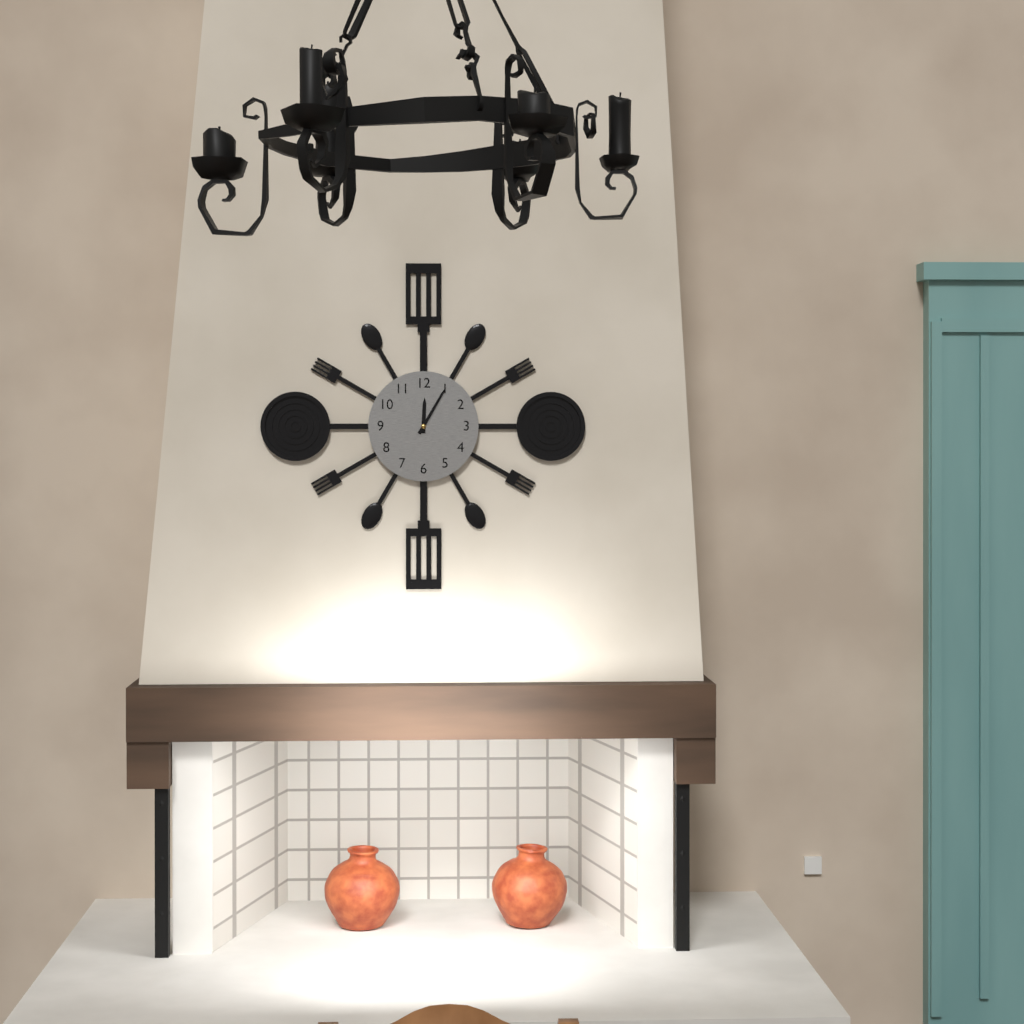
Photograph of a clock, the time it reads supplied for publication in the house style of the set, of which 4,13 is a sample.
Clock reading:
12,05
